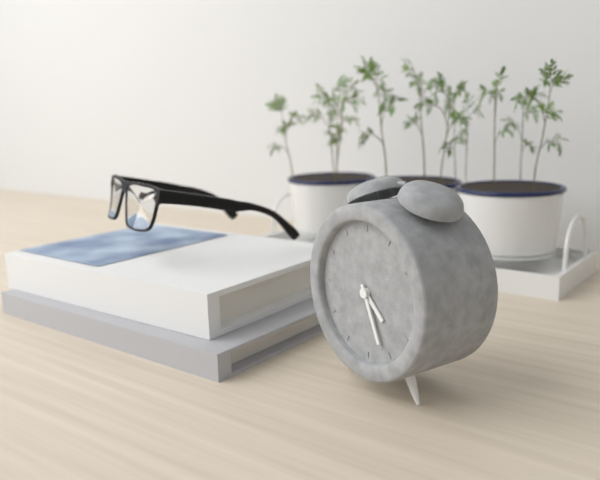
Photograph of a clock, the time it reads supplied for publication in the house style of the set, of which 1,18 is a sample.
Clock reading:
4,26
